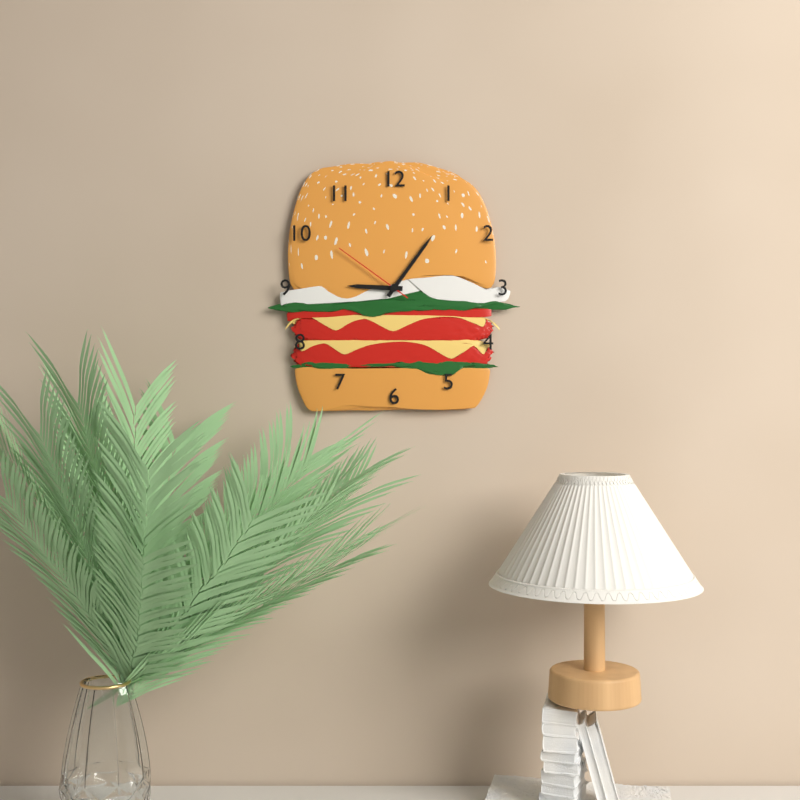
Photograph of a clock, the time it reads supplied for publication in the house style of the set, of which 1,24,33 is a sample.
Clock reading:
9,06,51
